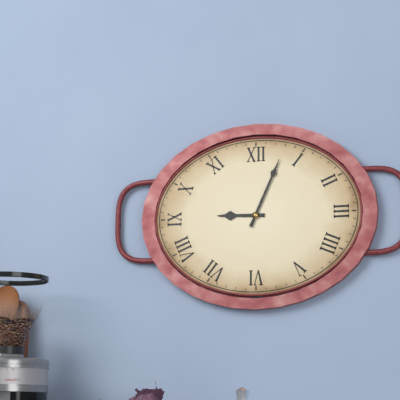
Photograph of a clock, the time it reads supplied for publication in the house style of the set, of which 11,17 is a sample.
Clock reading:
9,04
